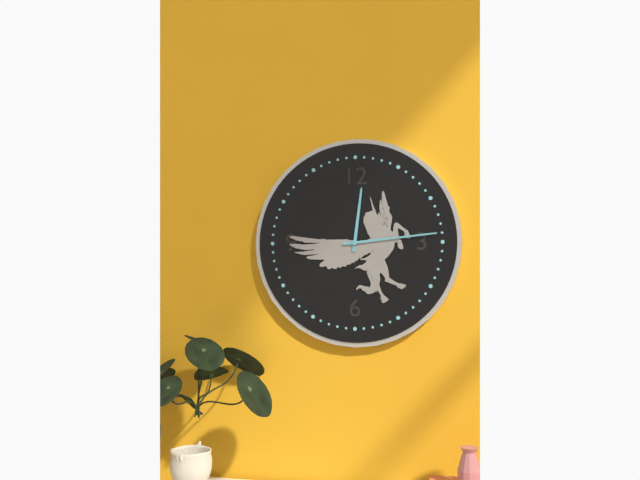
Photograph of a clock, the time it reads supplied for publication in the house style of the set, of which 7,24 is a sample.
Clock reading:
12,14
